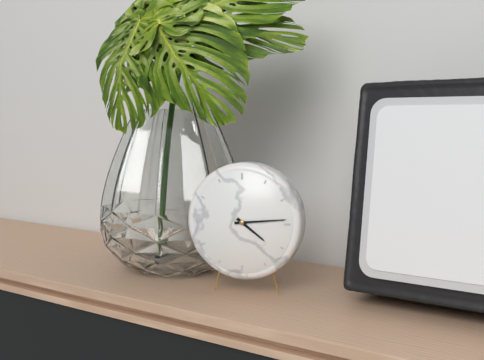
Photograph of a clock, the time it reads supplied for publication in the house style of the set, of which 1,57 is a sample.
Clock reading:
4,14
